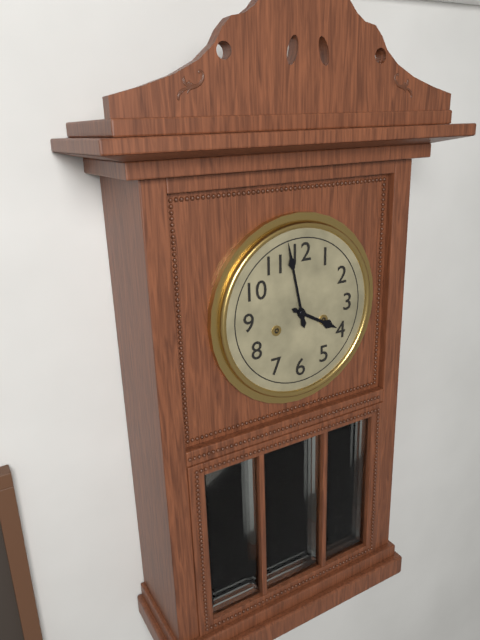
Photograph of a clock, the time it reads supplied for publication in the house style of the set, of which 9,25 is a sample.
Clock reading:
3,58
